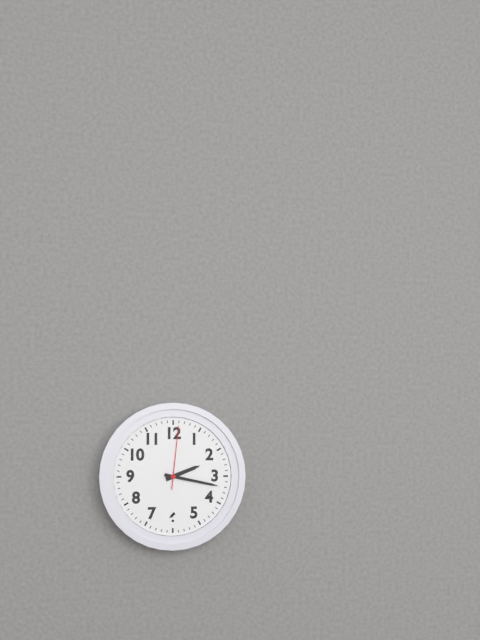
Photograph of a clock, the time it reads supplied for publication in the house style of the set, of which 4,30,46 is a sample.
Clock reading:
2,17,01
